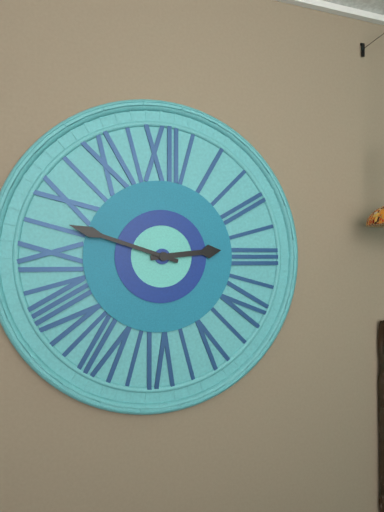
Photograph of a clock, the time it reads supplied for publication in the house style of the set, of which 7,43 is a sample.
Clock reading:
2,48
